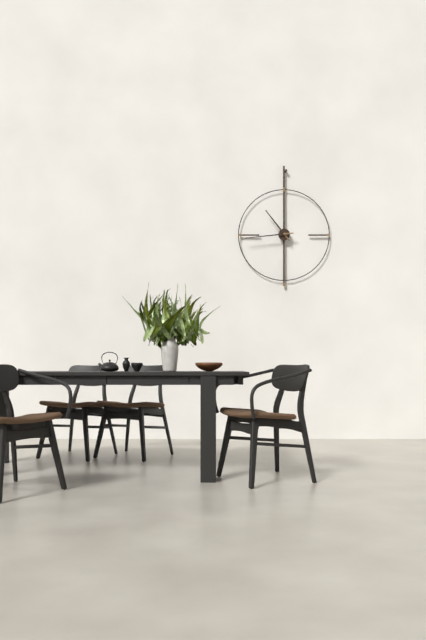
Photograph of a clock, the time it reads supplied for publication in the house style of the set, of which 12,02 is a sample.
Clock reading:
10,44
